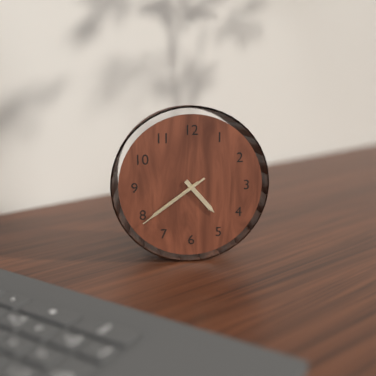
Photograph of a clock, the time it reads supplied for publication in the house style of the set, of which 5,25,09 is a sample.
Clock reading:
4,39,39
